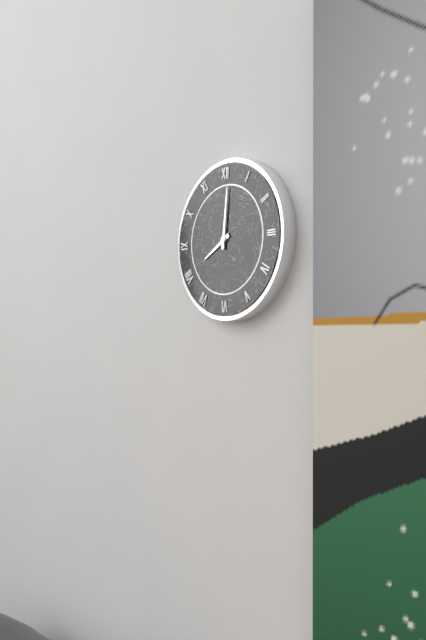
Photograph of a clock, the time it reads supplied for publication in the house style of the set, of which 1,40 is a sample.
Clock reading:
8,01
